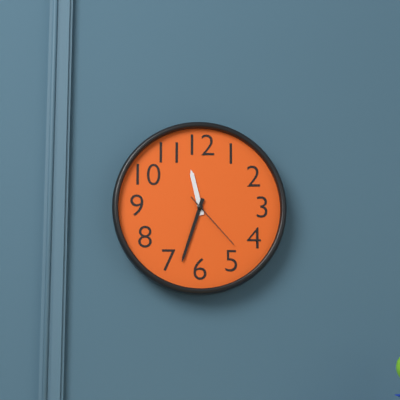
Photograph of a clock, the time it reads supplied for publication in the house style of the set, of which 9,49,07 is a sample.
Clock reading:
11,33,23
